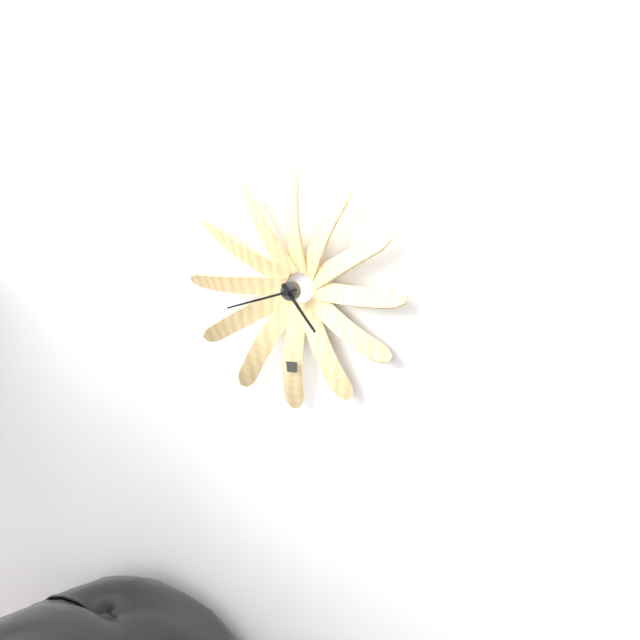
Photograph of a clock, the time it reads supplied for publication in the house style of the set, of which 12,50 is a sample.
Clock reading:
4,42
